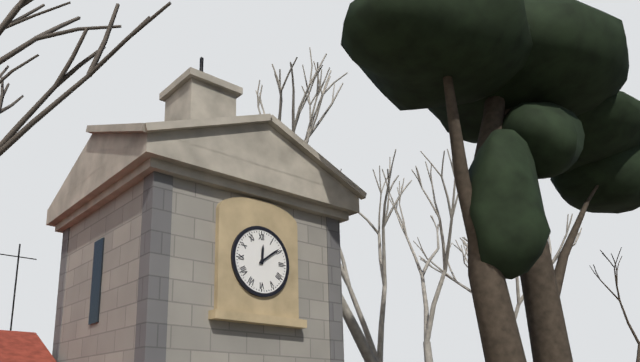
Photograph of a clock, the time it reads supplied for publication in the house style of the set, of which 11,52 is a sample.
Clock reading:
12,09
